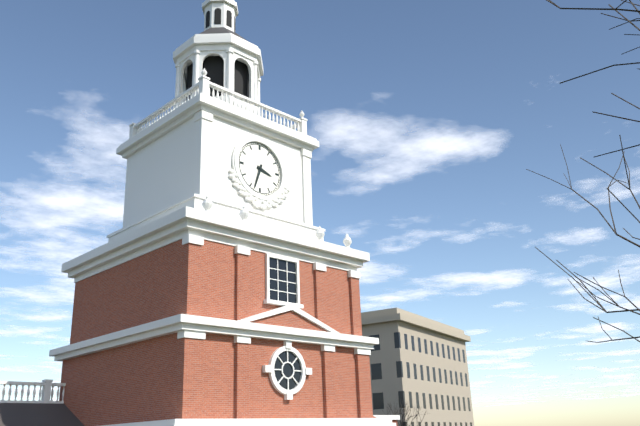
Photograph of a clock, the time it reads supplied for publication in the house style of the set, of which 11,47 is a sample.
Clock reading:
3,33
